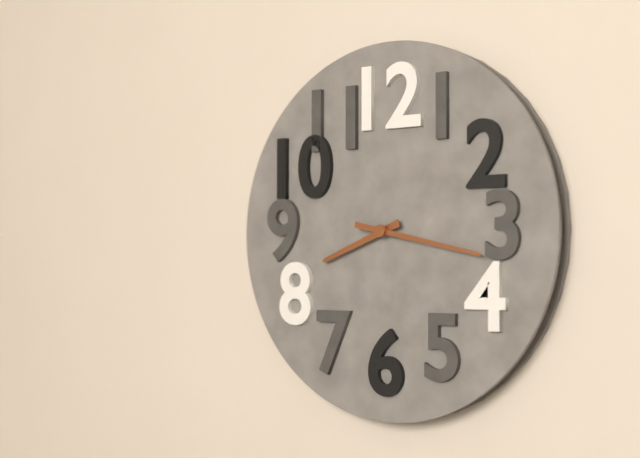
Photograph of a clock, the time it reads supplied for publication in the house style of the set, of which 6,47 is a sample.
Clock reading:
8,17
